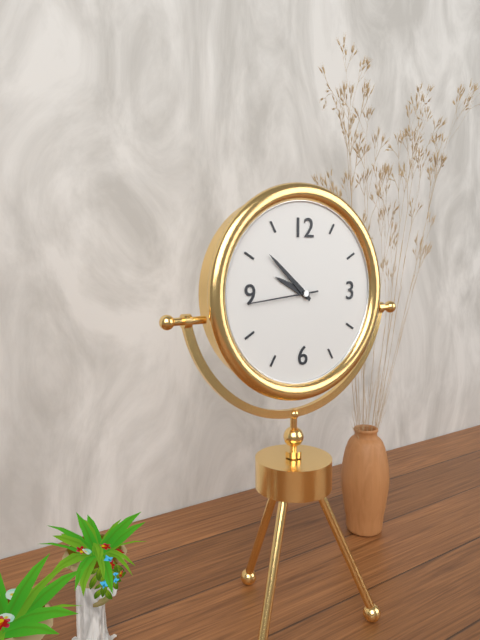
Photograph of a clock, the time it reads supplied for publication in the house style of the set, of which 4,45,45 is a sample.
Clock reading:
9,52,44
